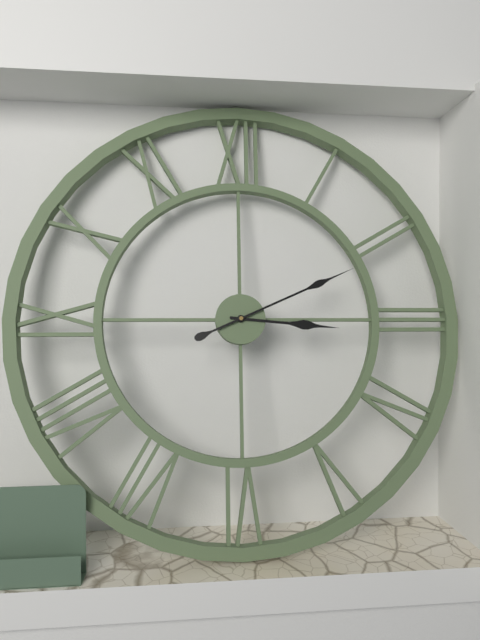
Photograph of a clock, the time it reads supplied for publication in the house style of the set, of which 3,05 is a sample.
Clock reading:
3,11
